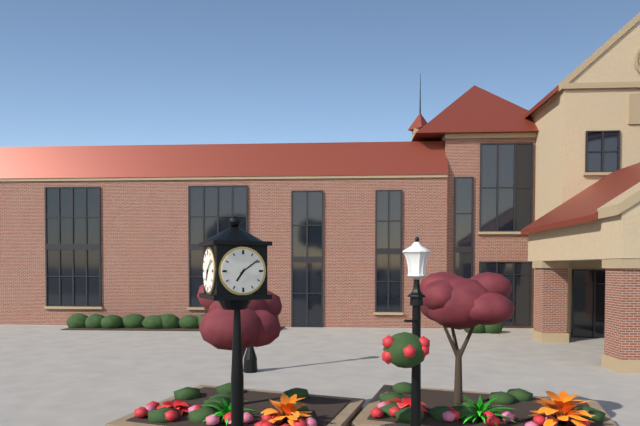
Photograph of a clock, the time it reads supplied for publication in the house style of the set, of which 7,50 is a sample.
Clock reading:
7,09
